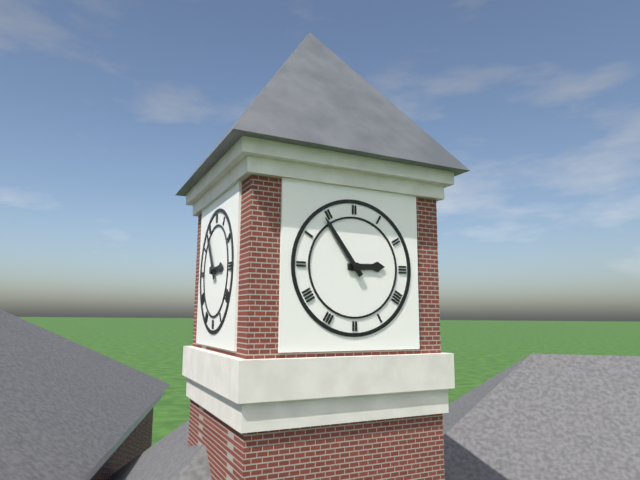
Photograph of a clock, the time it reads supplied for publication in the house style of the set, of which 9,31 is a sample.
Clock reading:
2,54
